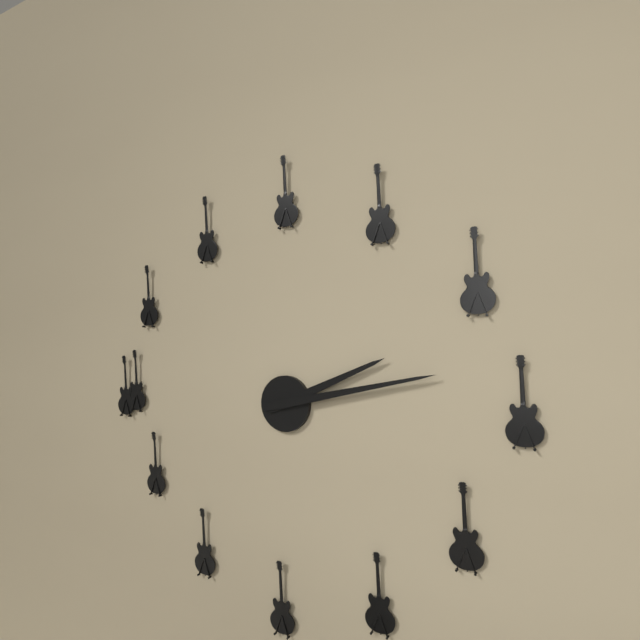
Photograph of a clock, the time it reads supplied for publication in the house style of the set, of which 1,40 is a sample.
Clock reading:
2,13
